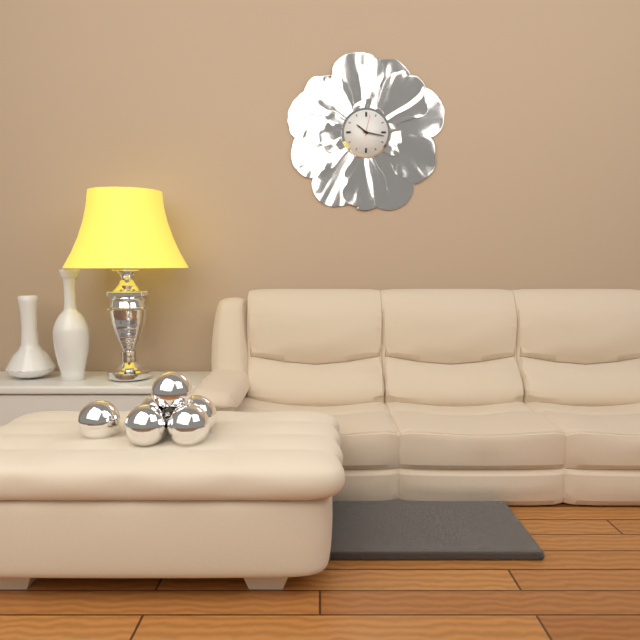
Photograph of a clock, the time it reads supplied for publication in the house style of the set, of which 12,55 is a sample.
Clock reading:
10,17
